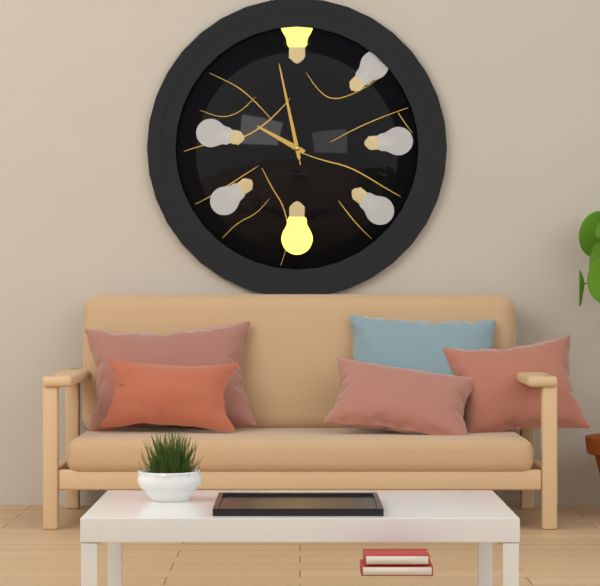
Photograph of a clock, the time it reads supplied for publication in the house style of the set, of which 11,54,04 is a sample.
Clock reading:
9,58,58
